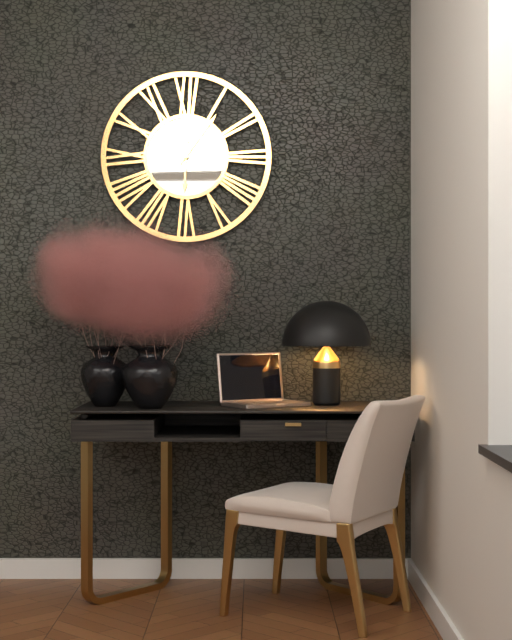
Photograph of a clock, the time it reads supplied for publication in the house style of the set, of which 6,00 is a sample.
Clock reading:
6,06
